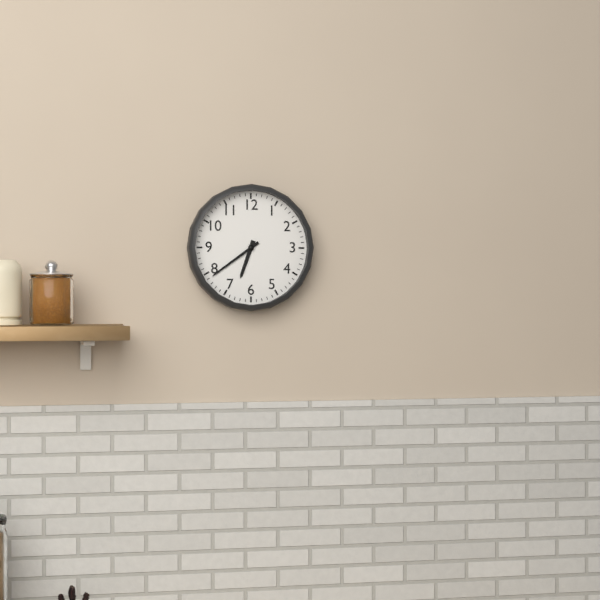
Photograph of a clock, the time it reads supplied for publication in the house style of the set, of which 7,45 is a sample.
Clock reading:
6,39
